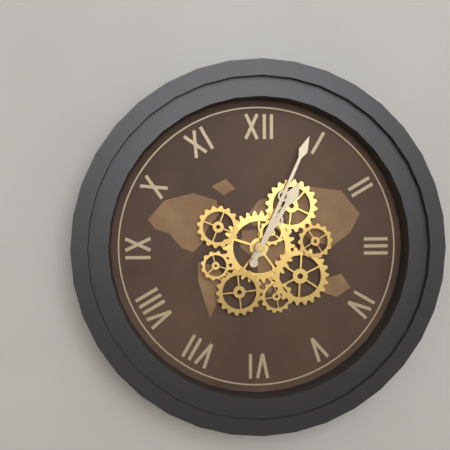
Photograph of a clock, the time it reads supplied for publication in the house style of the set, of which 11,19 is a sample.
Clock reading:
1,04
